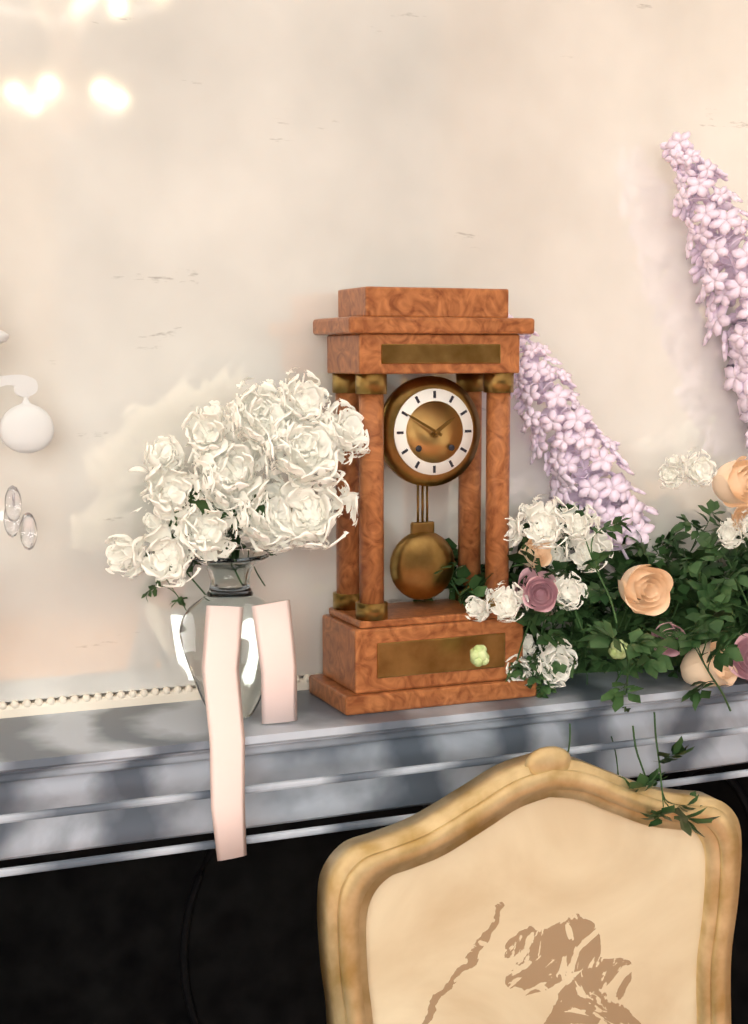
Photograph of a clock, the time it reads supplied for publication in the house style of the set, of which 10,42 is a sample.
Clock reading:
1,50
